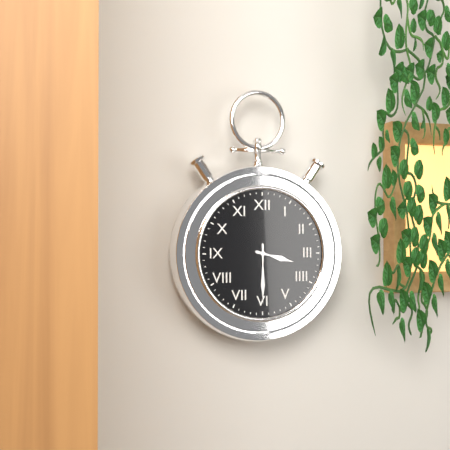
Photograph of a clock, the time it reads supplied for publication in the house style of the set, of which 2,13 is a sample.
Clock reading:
3,30
